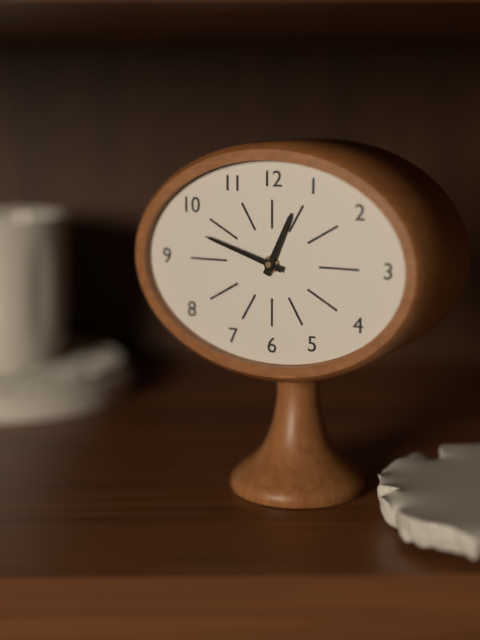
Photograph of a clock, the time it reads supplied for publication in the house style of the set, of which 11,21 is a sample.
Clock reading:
12,48
